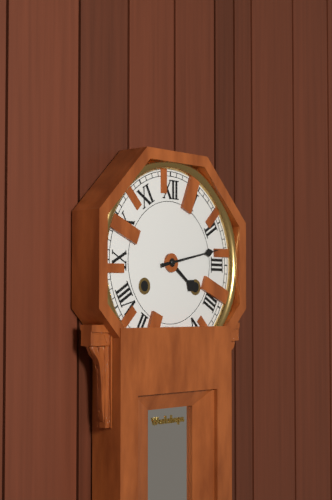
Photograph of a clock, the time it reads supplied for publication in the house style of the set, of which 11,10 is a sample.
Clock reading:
4,13
